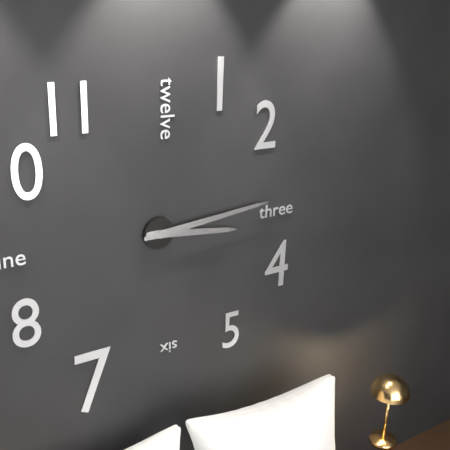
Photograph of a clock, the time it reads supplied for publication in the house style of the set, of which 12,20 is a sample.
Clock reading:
3,14
